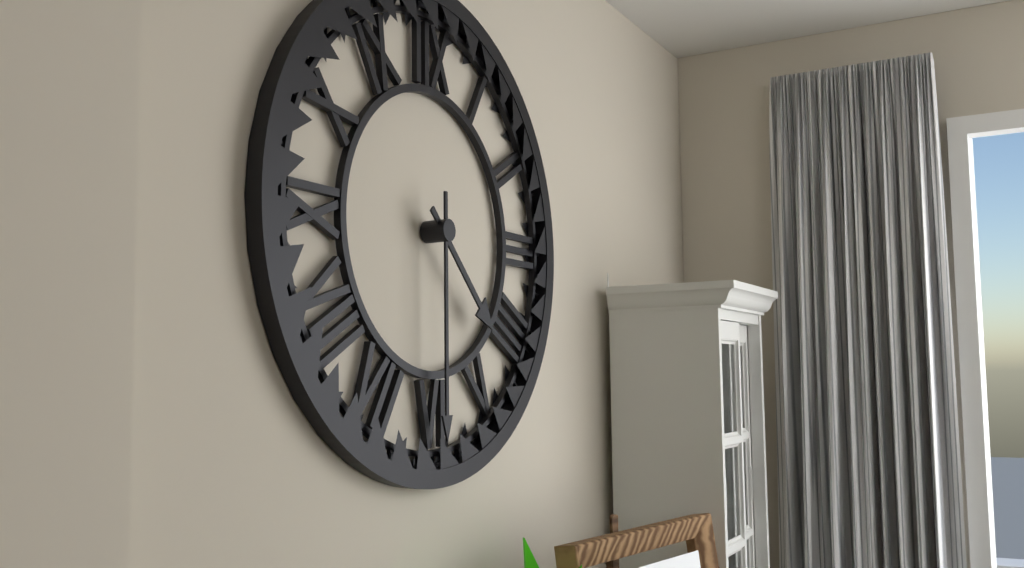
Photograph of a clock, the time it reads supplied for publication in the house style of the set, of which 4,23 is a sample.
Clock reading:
4,30
